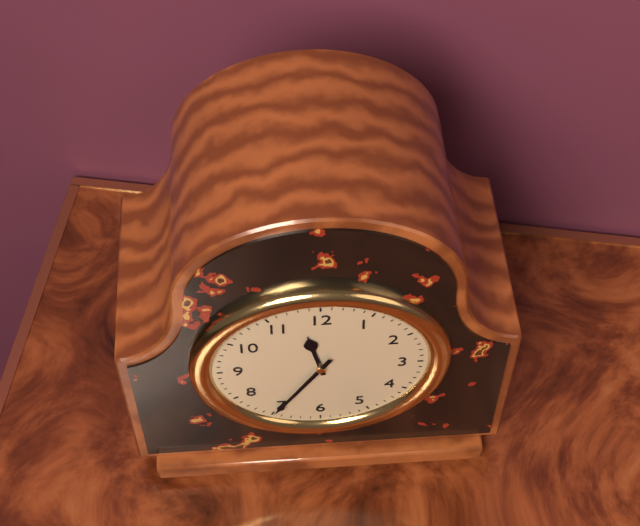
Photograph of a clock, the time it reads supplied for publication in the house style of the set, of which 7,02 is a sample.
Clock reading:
11,35
